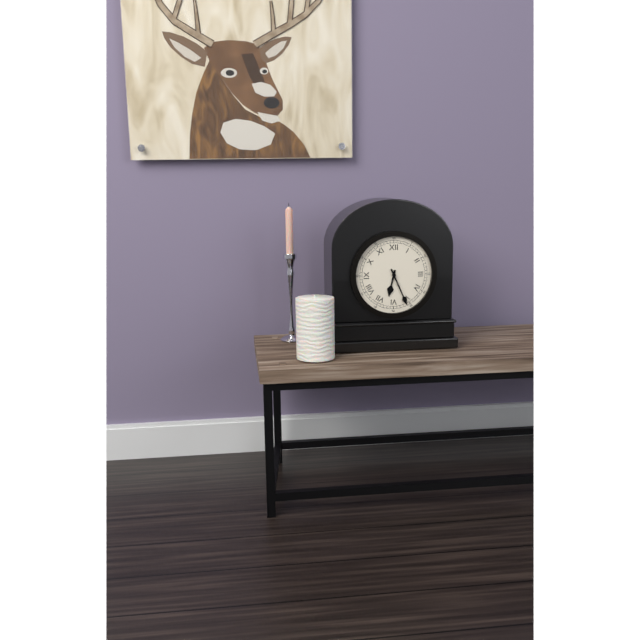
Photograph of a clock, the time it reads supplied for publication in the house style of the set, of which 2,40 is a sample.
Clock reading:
6,26
